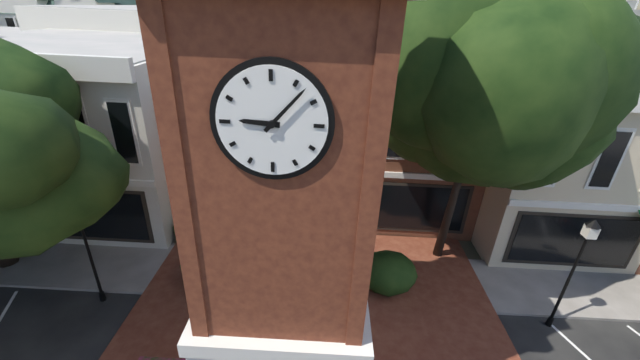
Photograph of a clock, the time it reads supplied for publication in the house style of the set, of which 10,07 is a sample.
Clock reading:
9,07
